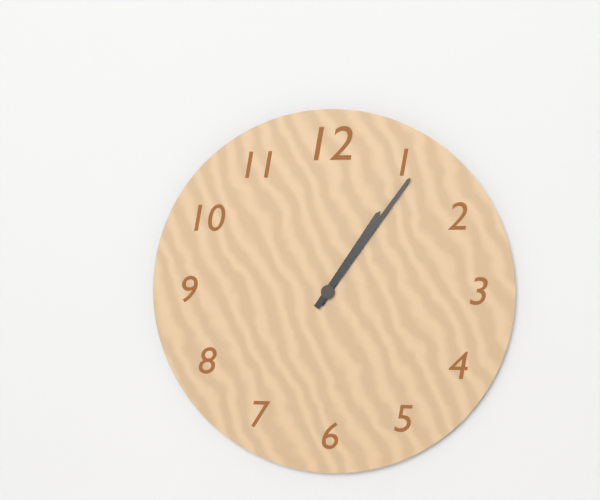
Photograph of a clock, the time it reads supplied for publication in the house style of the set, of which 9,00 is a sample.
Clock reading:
1,06
